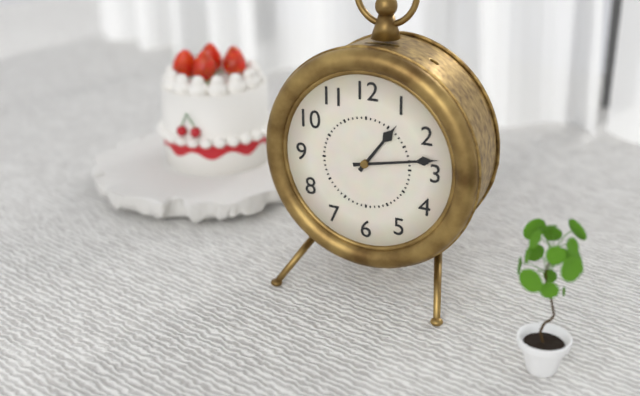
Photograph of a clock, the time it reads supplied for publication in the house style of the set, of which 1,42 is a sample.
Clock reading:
1,13
